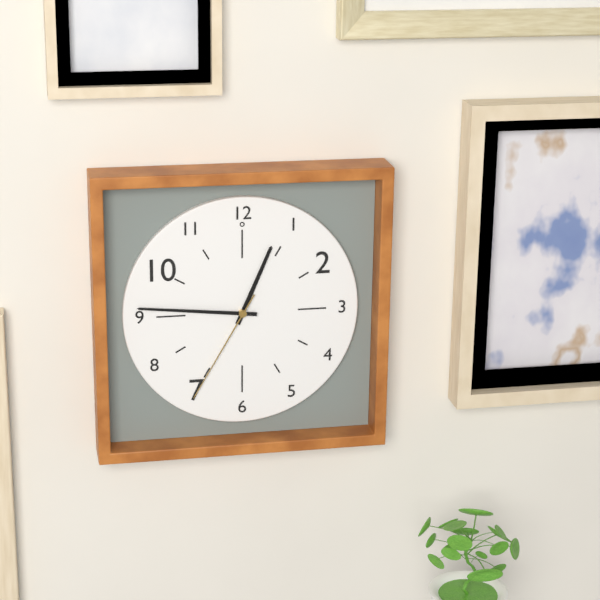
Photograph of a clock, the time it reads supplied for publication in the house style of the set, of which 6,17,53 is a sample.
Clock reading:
12,46,35
